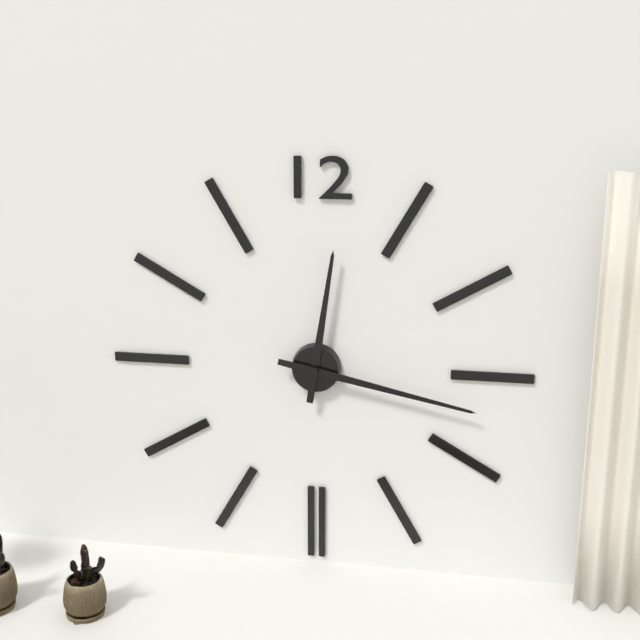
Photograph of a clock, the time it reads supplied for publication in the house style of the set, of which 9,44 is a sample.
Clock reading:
12,17
